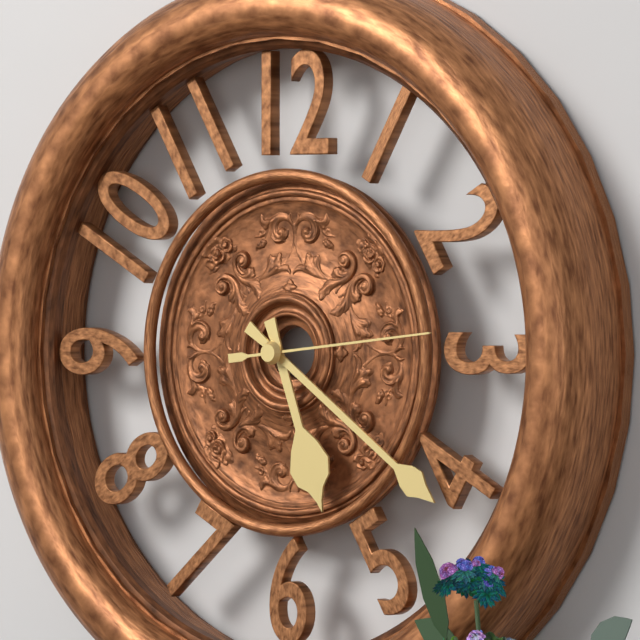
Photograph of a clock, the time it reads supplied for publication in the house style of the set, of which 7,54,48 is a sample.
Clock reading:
5,21,14
